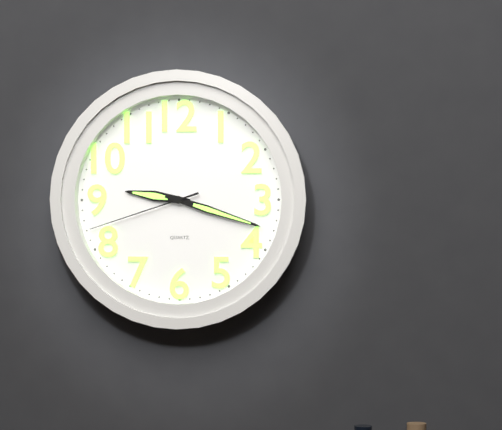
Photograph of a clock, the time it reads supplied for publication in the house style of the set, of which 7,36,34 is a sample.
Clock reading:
9,18,42
